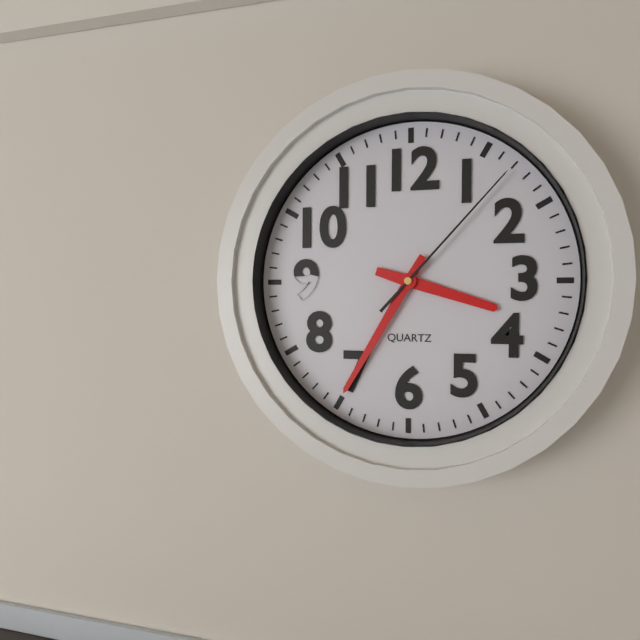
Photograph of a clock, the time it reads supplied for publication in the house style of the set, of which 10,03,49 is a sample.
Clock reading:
3,35,07
